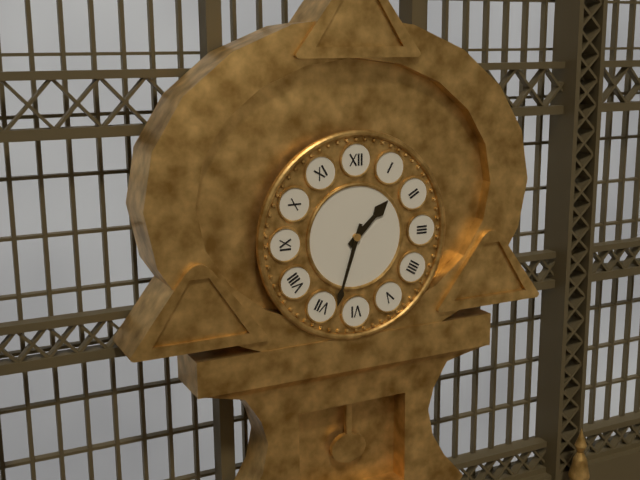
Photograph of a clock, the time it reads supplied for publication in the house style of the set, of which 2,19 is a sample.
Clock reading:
1,33
